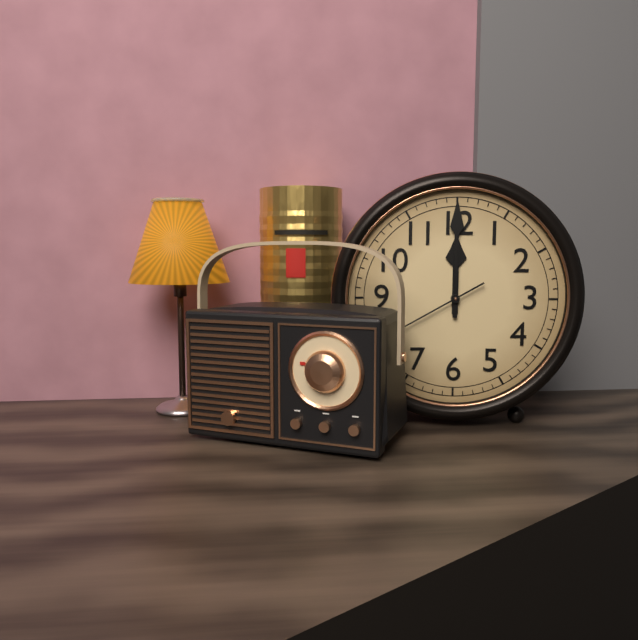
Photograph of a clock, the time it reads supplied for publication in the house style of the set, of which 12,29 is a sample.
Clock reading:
12,00
